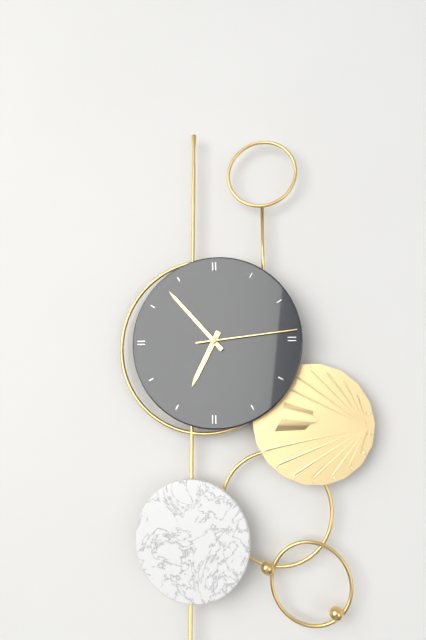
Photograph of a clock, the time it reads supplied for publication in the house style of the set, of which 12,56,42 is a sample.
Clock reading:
6,53,14
